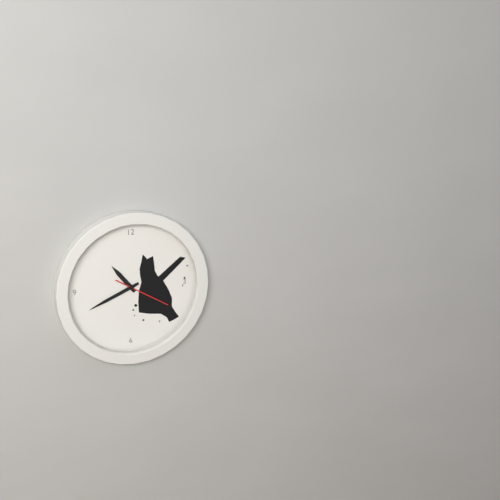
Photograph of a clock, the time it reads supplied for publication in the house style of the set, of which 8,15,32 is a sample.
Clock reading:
10,41,20
